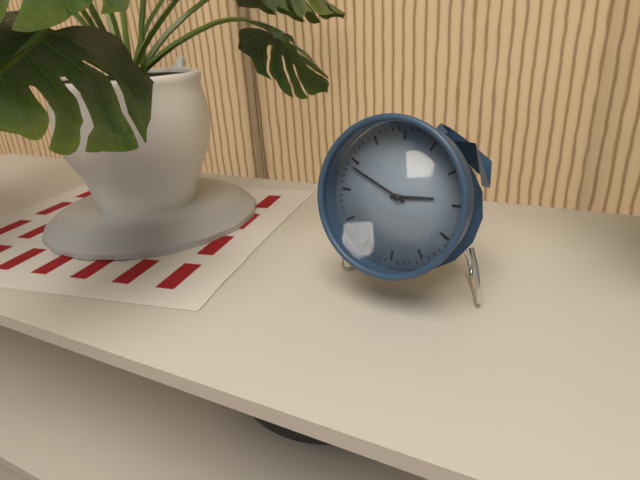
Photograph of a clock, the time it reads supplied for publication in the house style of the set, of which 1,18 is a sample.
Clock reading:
2,49
